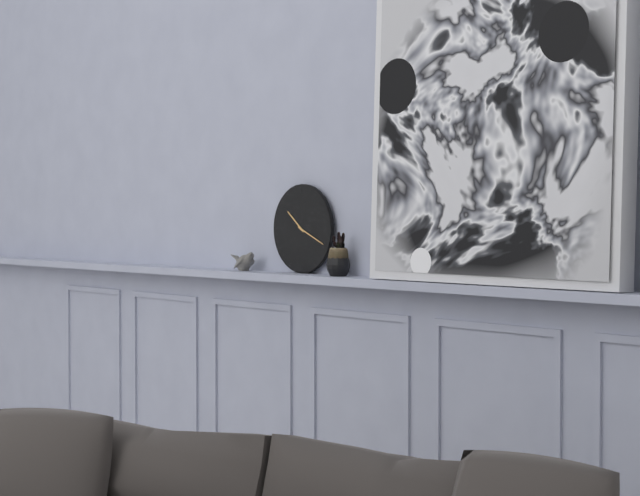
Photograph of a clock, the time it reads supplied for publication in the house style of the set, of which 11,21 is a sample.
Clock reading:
10,19
